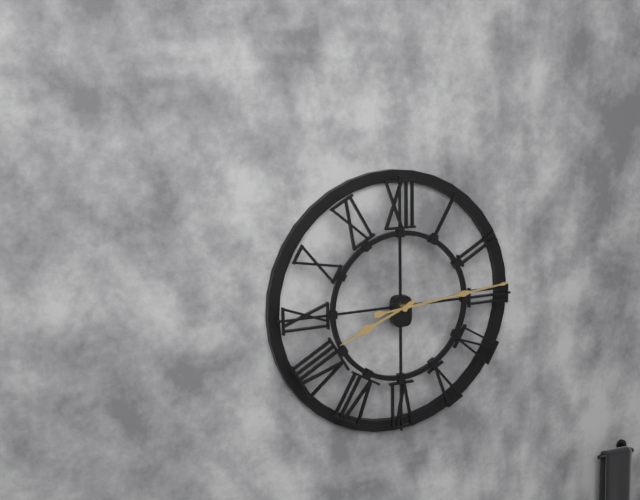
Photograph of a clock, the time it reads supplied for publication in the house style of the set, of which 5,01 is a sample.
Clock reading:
8,14
